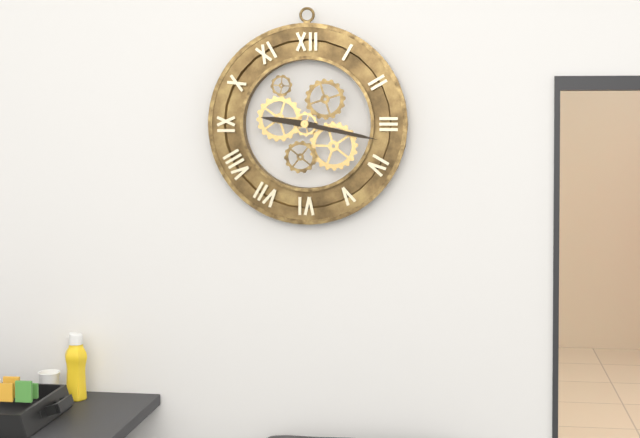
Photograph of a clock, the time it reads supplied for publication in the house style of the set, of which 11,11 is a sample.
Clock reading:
9,17
